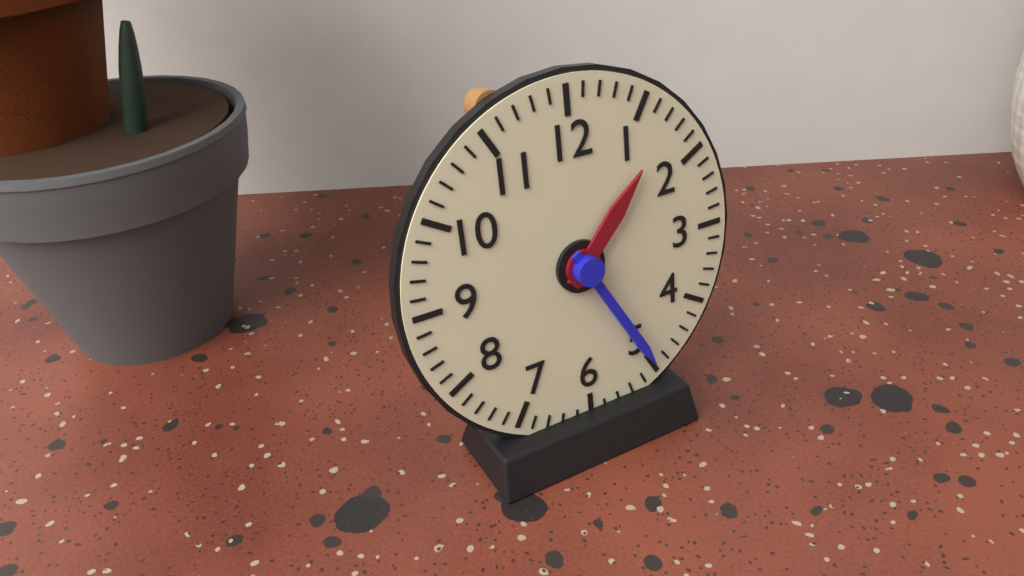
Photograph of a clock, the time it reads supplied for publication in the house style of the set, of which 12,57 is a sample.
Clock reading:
1,25
